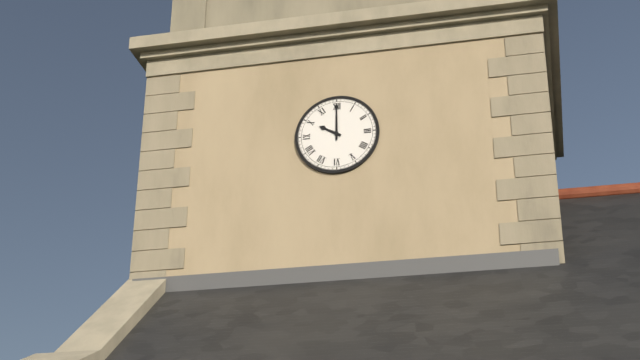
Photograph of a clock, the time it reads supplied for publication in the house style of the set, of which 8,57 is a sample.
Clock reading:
10,00
